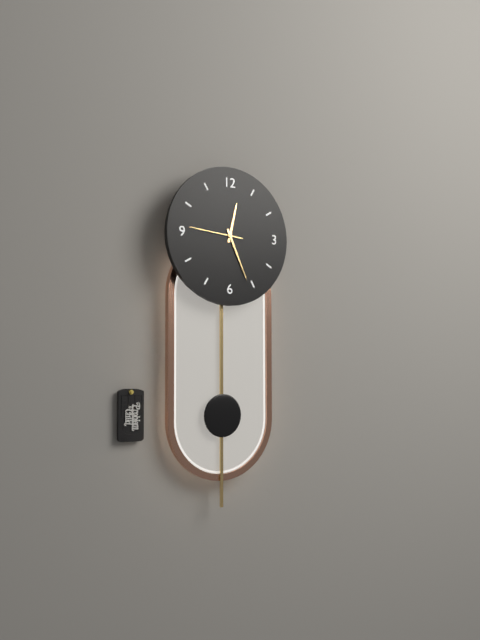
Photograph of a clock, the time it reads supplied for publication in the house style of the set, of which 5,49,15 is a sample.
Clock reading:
12,26,46
